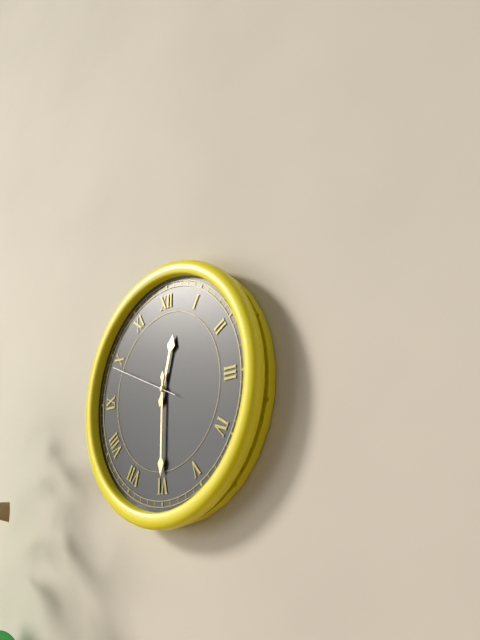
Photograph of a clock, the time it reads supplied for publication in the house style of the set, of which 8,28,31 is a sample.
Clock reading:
12,30,49
